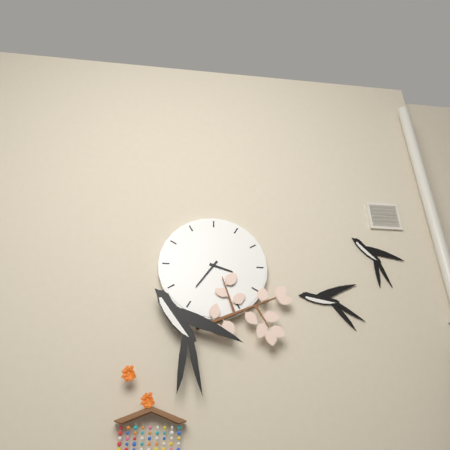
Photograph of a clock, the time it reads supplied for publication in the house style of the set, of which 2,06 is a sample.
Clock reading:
3,36
